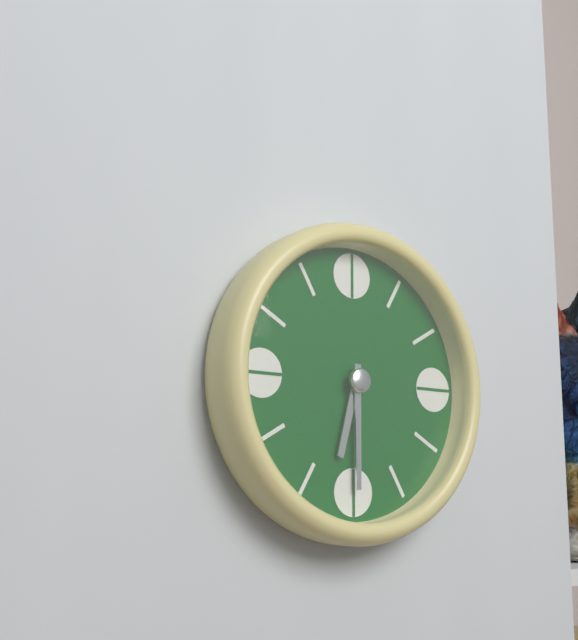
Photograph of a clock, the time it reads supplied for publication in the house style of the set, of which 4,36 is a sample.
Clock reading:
6,30
